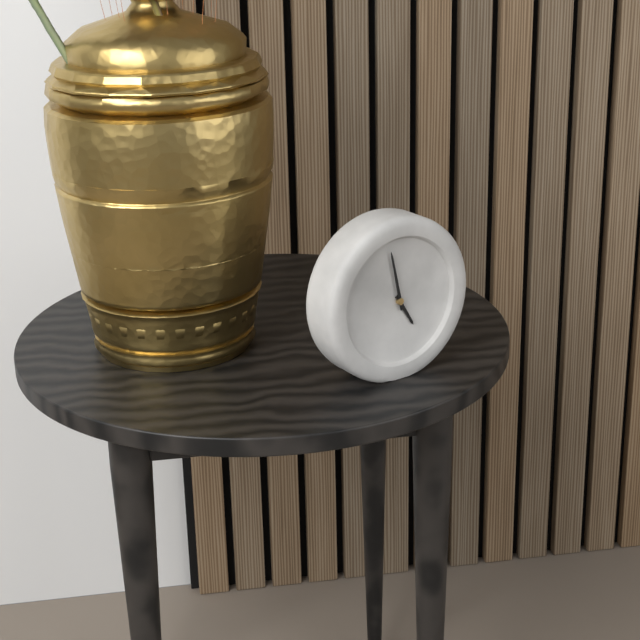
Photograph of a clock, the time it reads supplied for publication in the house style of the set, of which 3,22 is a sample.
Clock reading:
4,58
